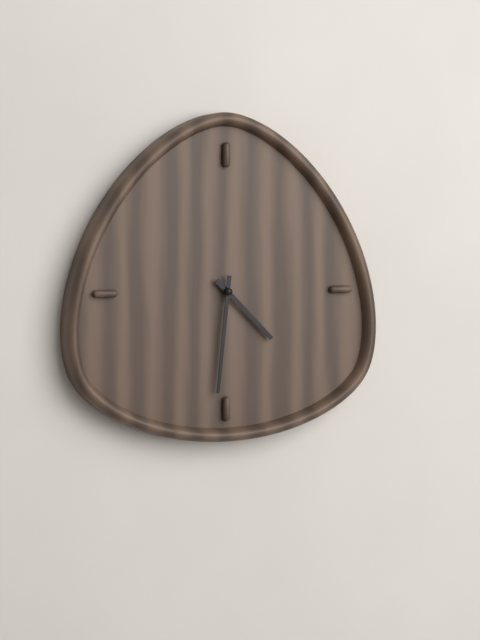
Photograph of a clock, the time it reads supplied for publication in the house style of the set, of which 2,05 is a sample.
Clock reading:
4,31
